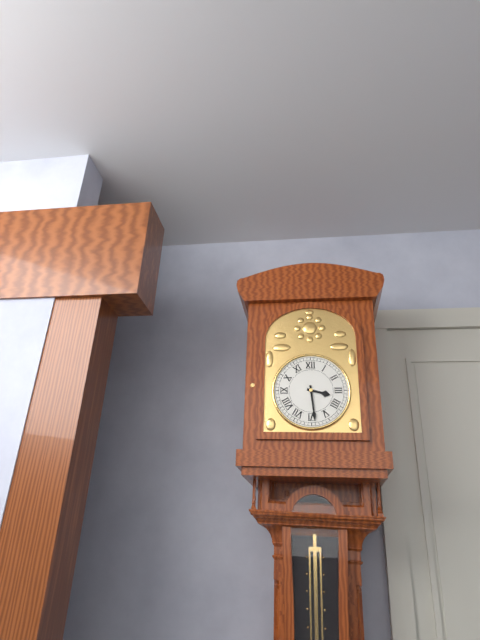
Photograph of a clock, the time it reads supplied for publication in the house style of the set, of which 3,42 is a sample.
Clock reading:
3,29
